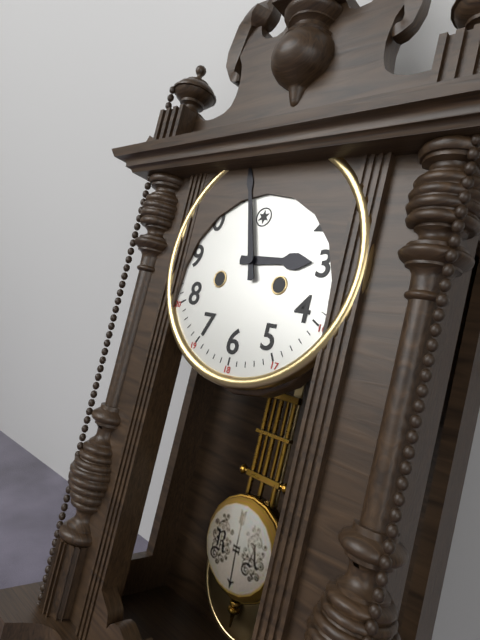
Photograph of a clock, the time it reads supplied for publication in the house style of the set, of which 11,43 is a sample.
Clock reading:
2,57
